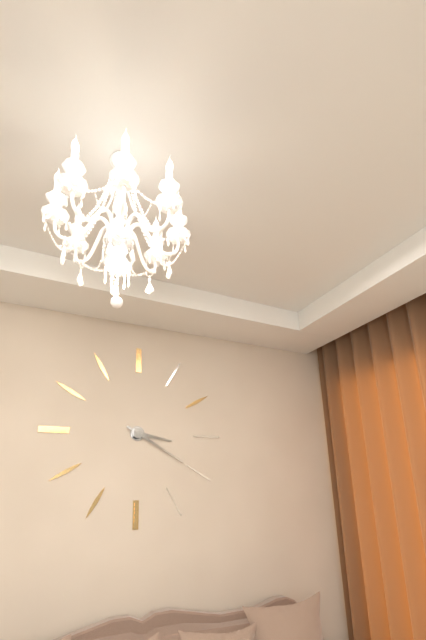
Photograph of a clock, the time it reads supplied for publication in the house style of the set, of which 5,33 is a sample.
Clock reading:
3,20
